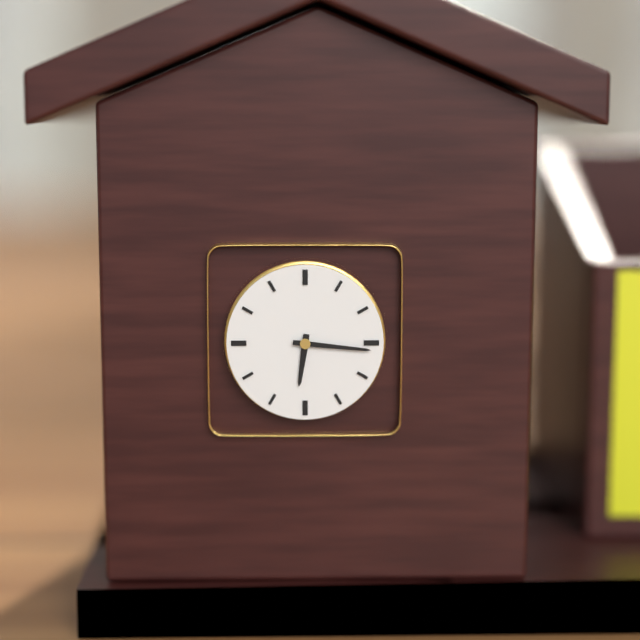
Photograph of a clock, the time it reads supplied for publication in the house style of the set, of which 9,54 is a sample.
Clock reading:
6,16
